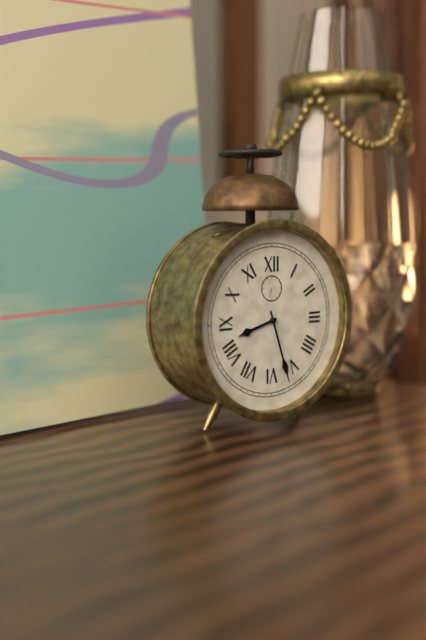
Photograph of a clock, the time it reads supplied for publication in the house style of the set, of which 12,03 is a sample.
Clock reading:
8,27
